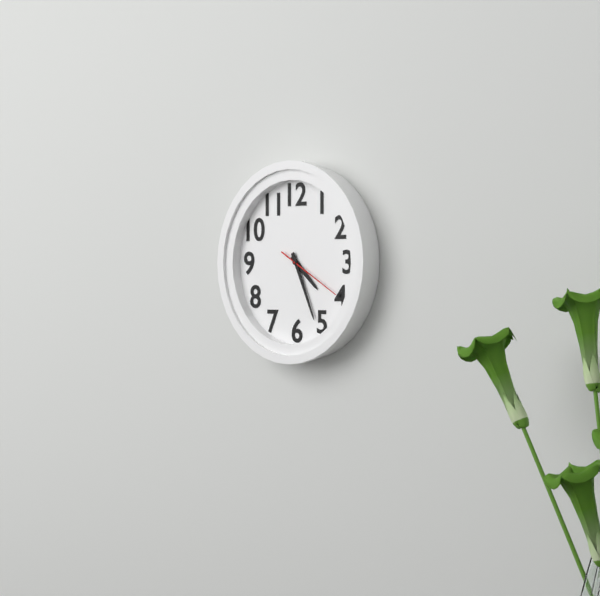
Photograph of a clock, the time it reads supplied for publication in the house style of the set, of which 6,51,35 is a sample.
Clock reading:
4,26,20
